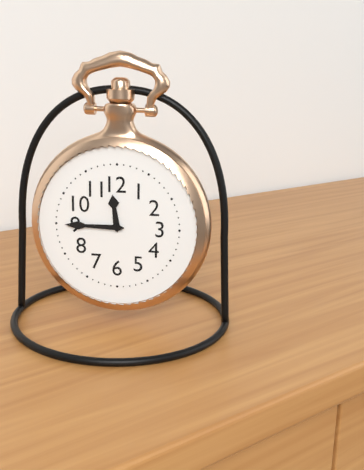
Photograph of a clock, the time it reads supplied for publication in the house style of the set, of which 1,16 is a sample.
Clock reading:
11,45
